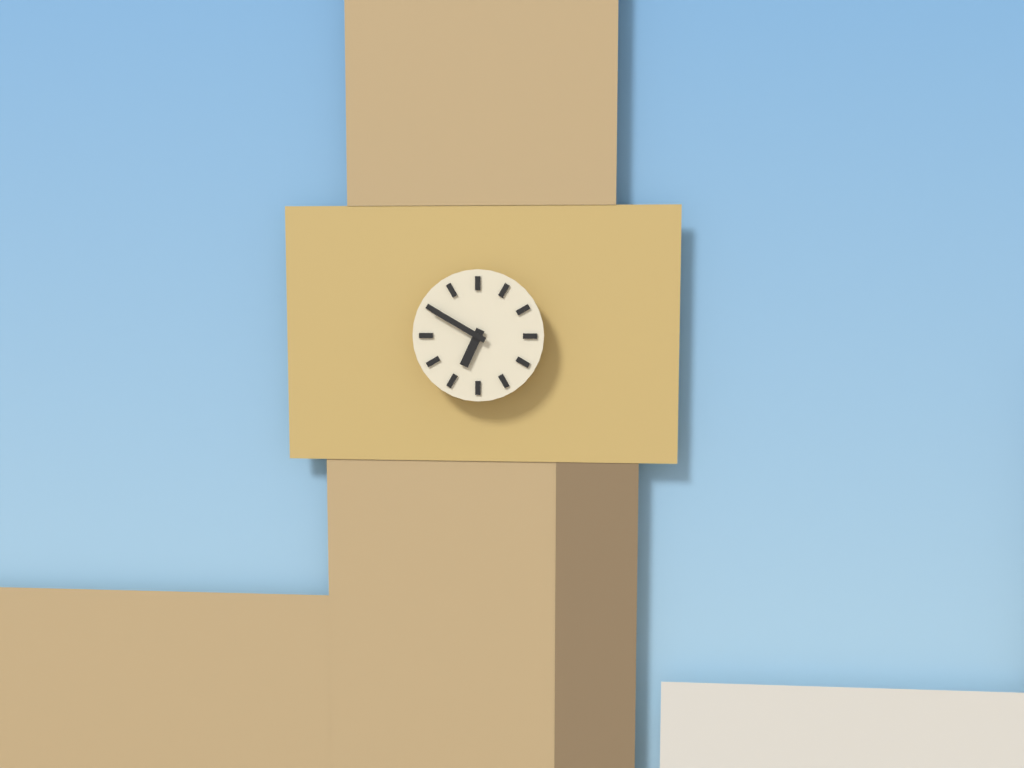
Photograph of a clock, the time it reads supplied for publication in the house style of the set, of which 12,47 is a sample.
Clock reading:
6,50
